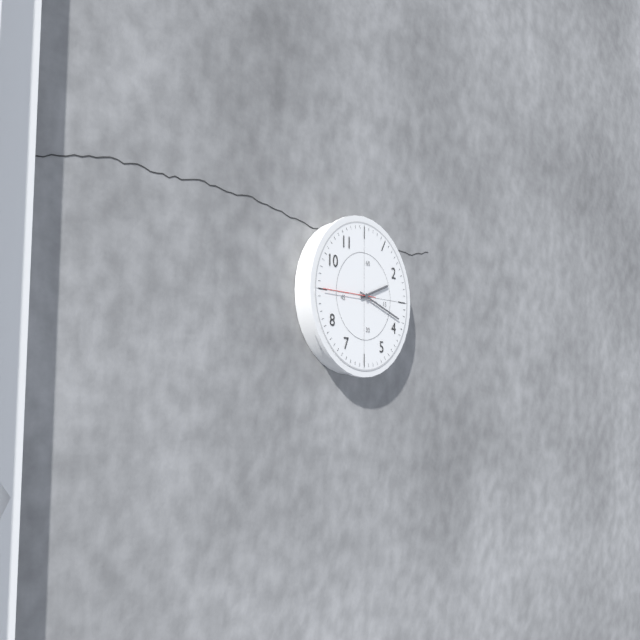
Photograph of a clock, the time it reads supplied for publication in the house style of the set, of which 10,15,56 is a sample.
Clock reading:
2,18,45
